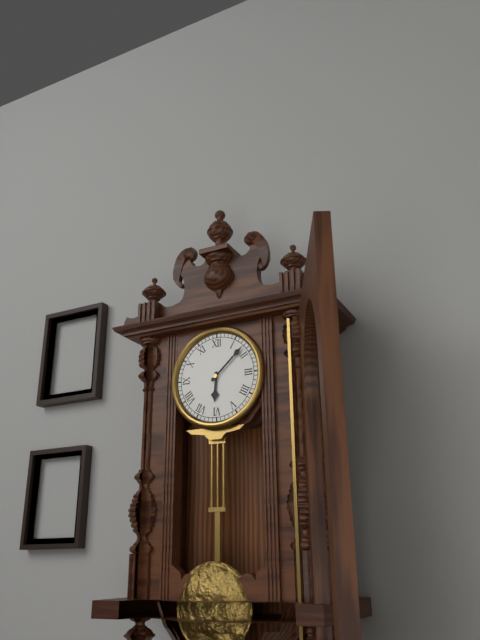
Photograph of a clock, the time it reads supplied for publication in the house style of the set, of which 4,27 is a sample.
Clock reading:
6,08
